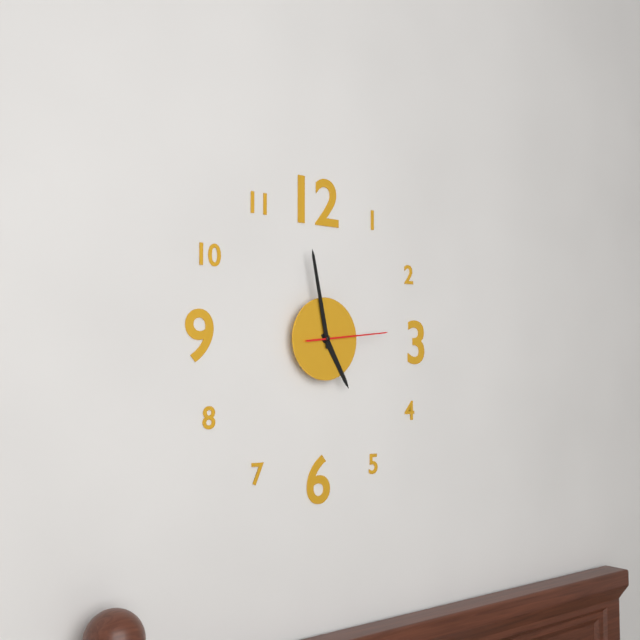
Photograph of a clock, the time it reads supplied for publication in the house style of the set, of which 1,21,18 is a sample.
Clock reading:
4,58,14
